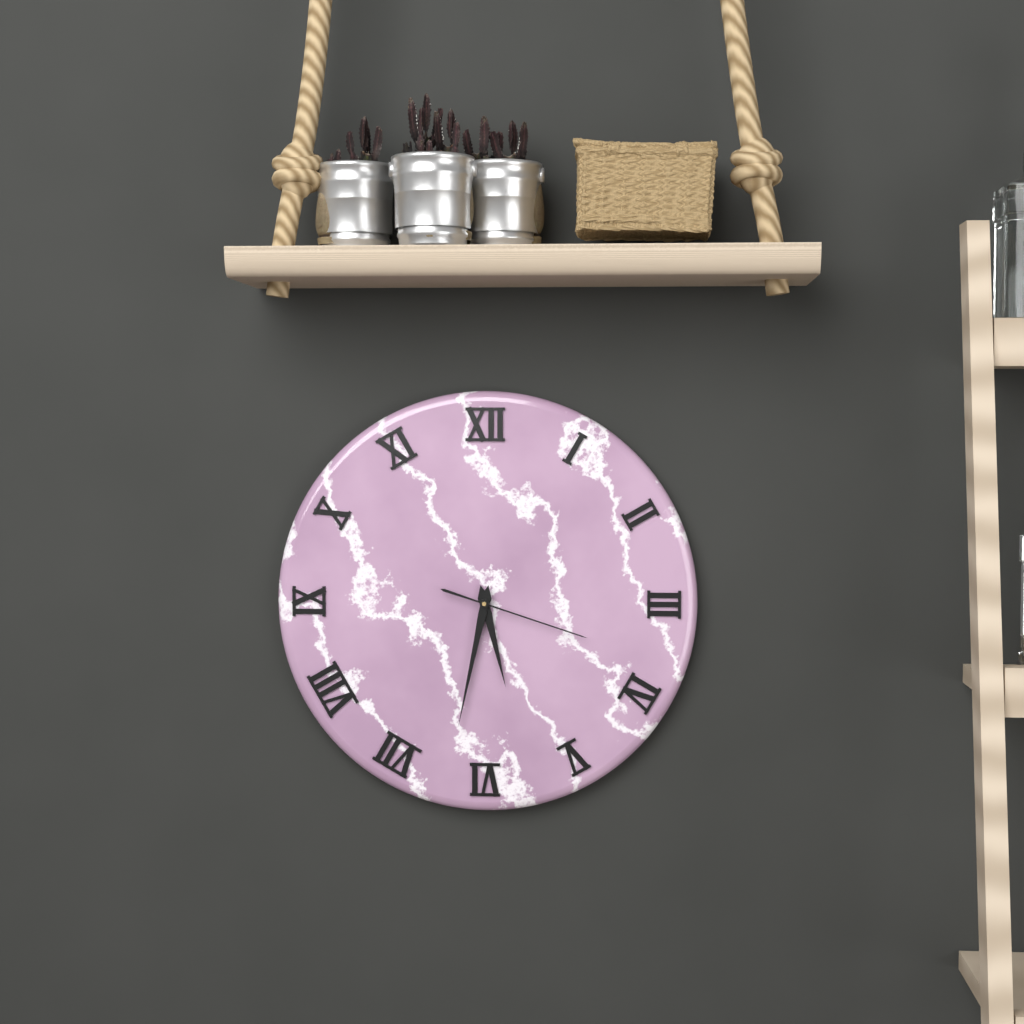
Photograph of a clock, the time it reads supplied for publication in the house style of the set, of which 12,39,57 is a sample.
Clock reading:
5,32,18
